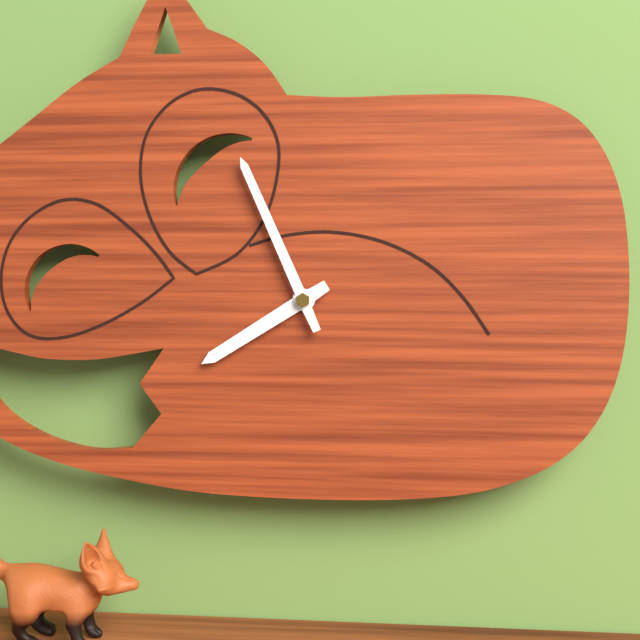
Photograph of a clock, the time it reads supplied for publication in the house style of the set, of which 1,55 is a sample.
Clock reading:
7,56
